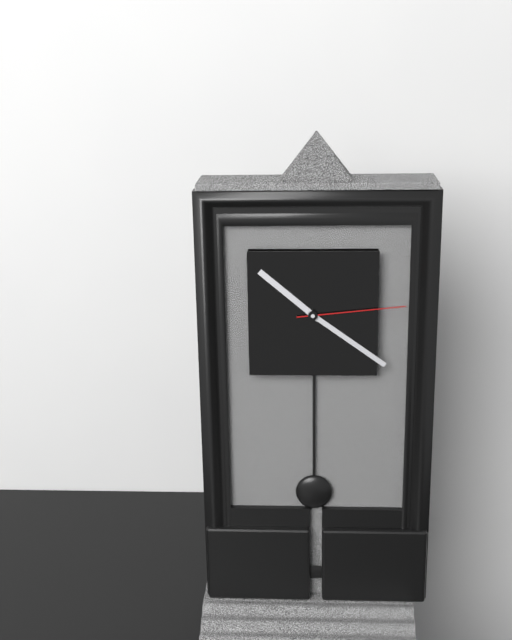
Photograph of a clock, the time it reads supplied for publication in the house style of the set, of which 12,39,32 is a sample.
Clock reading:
10,21,14
